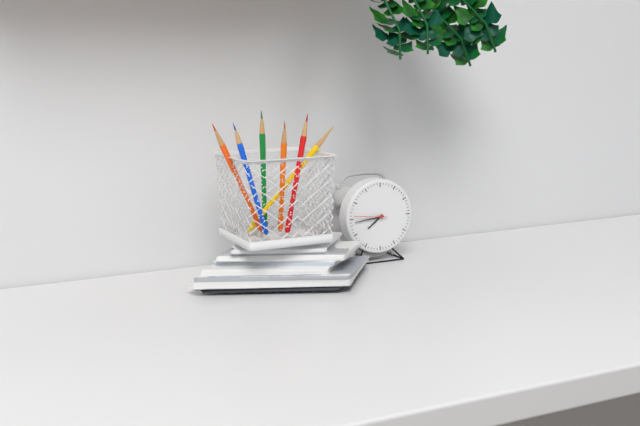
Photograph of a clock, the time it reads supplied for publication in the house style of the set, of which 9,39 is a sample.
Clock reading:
7,44
